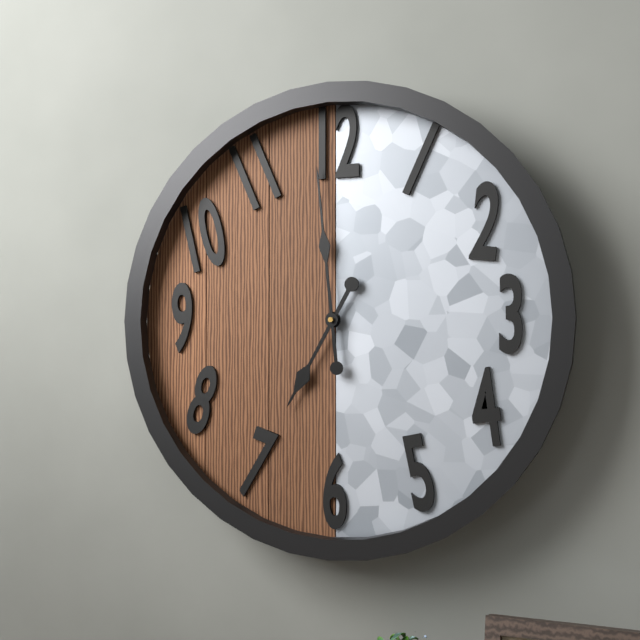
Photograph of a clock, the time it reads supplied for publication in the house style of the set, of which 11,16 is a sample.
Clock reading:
6,59
